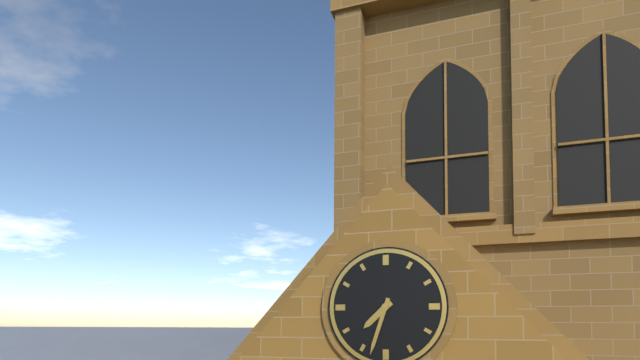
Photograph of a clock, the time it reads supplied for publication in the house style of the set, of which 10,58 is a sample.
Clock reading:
7,33
